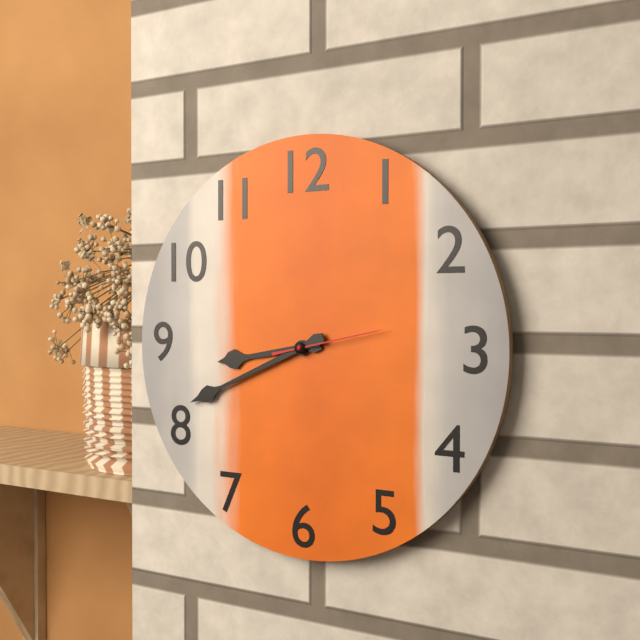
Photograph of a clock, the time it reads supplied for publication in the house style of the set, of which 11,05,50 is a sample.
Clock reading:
8,41,13
